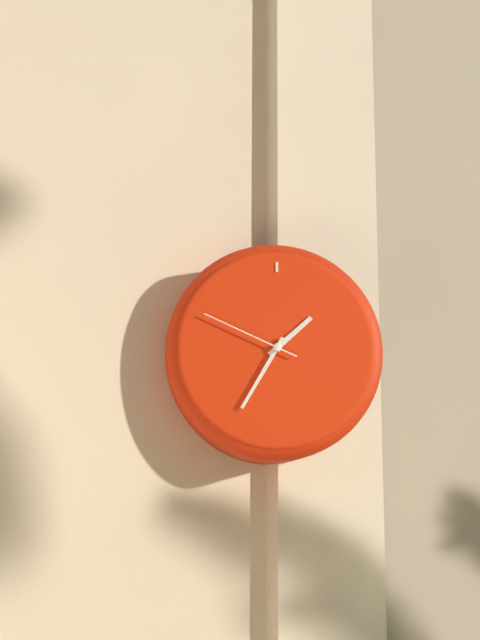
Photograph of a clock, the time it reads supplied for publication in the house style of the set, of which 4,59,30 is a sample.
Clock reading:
1,35,49
